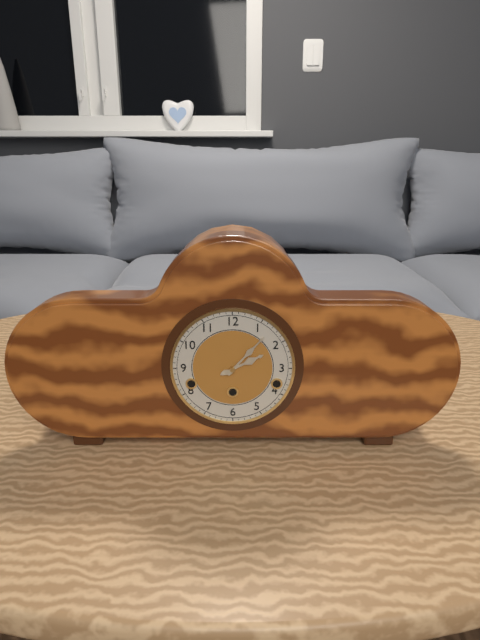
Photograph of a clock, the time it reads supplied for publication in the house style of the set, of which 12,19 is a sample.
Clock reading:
2,07
